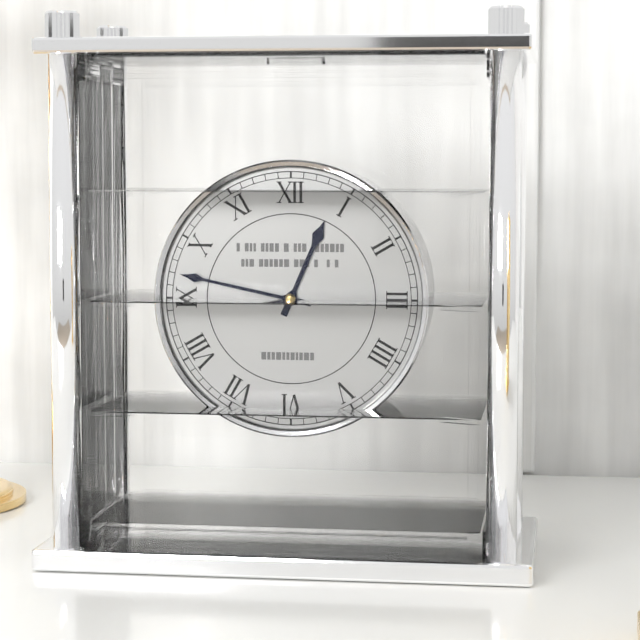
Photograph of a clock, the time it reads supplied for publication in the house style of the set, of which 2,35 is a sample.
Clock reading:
12,47
